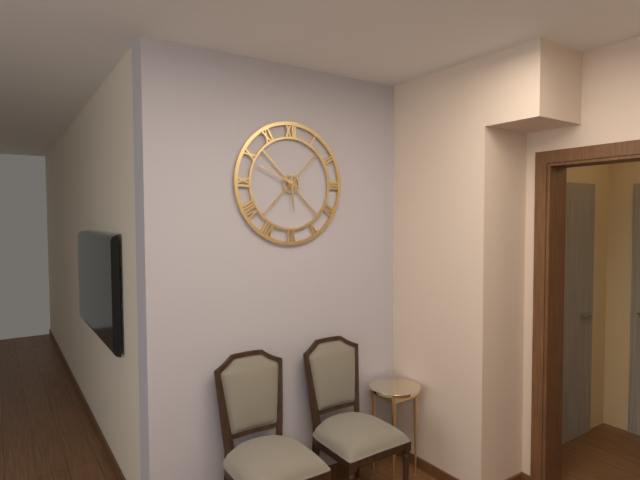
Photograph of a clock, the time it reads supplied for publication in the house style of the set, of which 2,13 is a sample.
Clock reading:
5,49
